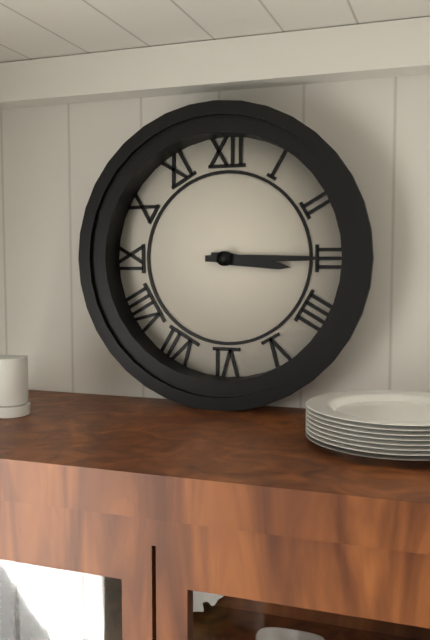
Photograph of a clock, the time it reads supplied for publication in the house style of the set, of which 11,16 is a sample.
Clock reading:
3,15
